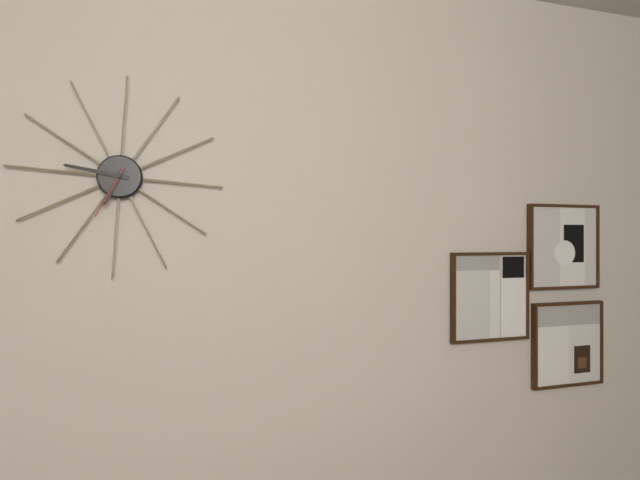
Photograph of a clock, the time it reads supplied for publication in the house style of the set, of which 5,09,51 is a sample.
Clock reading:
6,46,34
